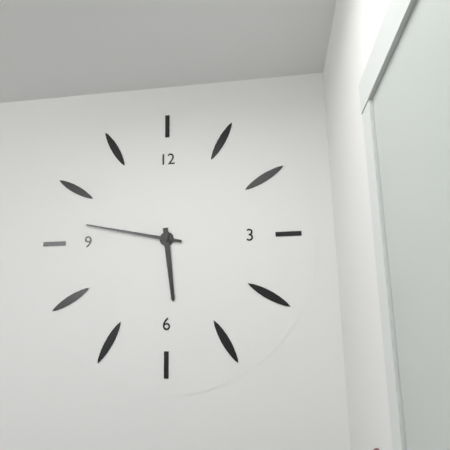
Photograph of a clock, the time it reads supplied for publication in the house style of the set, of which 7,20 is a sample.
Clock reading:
5,47
